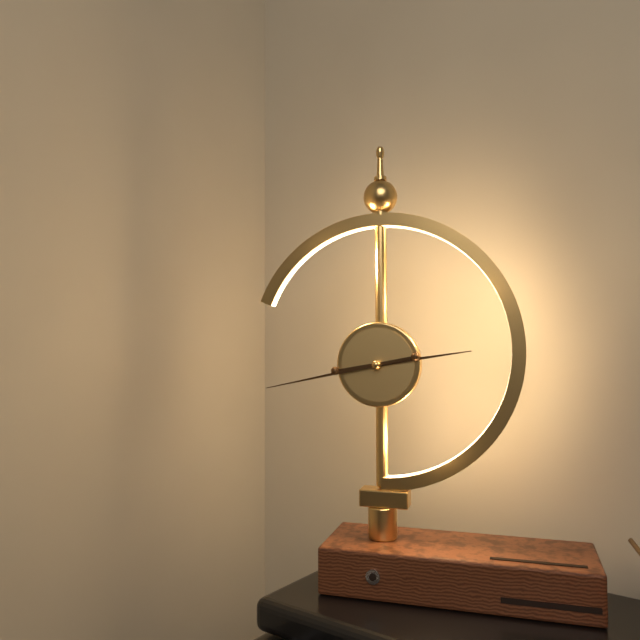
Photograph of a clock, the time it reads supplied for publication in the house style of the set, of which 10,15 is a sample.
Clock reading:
2,43
